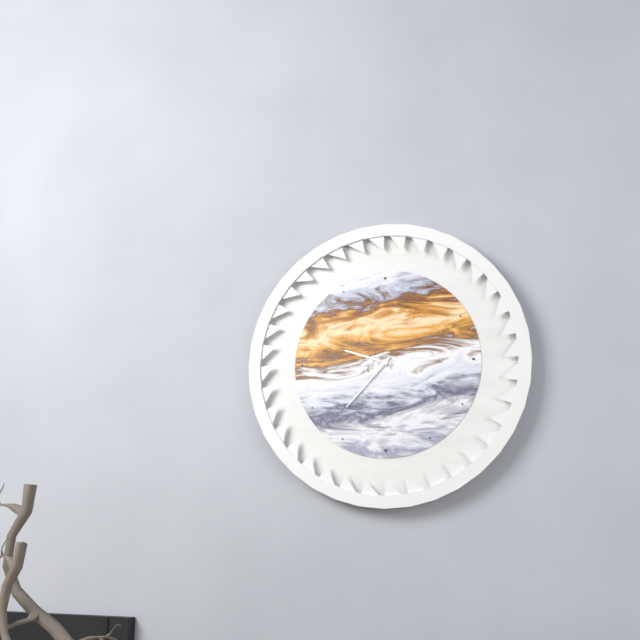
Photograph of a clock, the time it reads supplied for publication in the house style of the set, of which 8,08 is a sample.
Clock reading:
9,37
